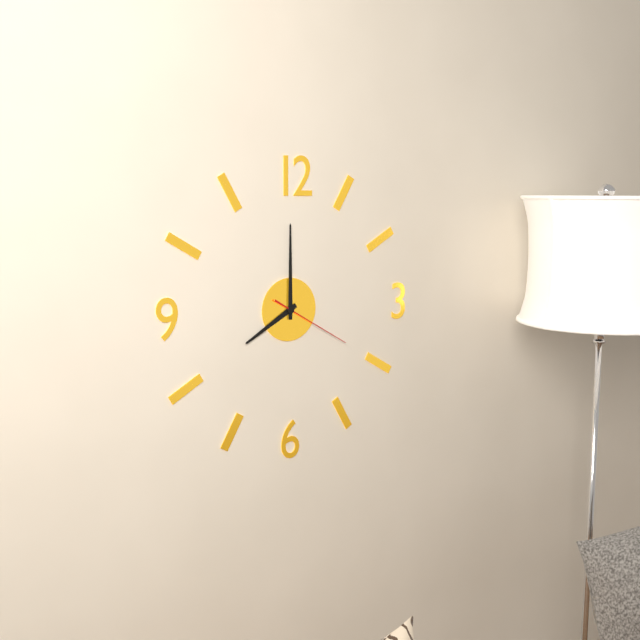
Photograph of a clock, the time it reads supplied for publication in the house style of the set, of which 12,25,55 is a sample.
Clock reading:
8,00,20
